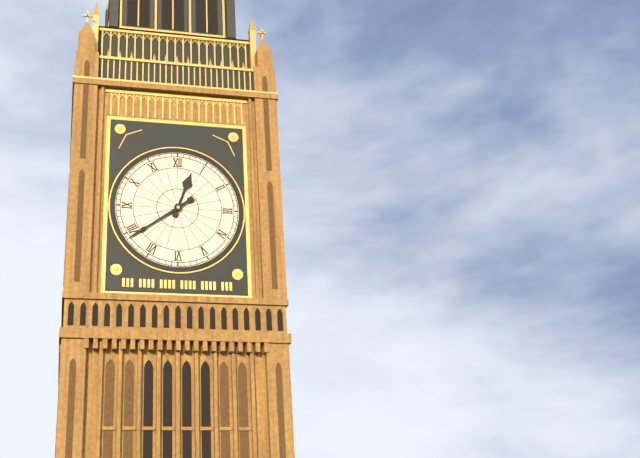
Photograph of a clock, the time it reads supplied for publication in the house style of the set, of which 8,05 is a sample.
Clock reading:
12,39
